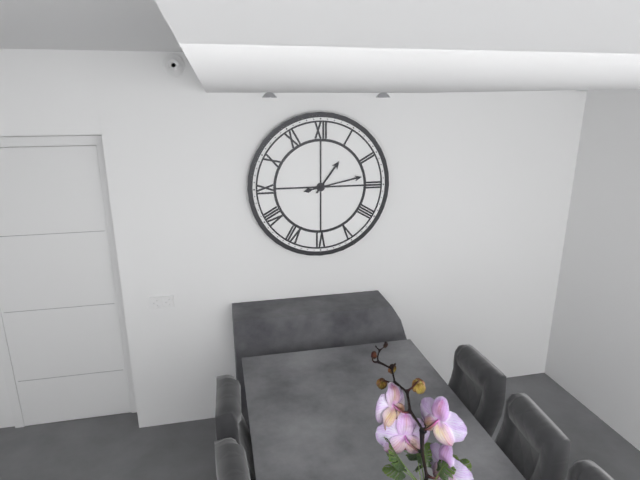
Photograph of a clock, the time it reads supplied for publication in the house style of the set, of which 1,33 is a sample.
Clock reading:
1,13
